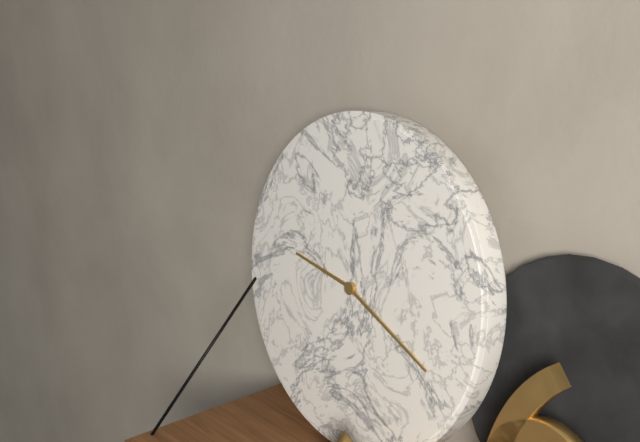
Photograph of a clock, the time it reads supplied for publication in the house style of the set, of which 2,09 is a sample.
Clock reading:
9,19
